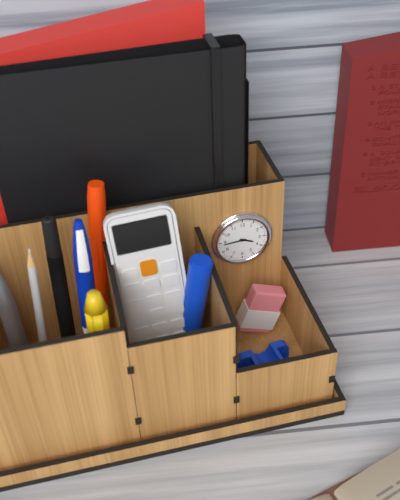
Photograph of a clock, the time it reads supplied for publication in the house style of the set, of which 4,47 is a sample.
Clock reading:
3,44
